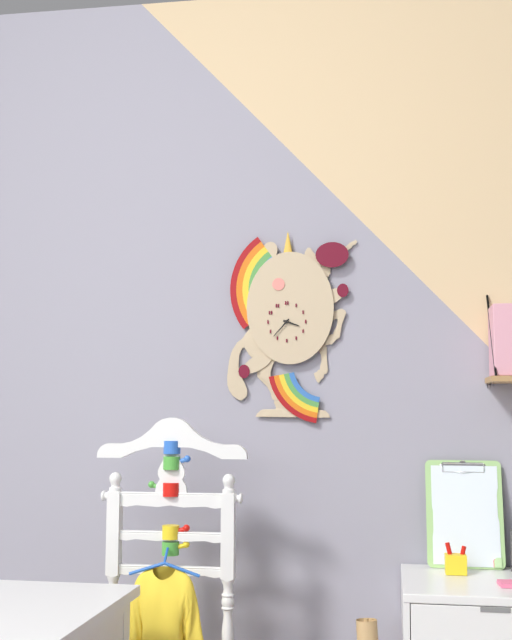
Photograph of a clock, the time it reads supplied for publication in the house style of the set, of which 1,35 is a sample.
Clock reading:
3,37
